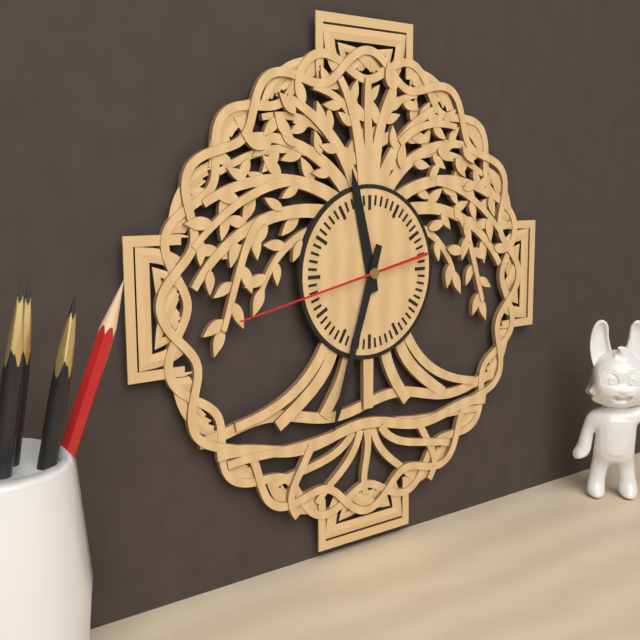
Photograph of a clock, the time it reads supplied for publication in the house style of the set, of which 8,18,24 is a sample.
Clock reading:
11,33,43
